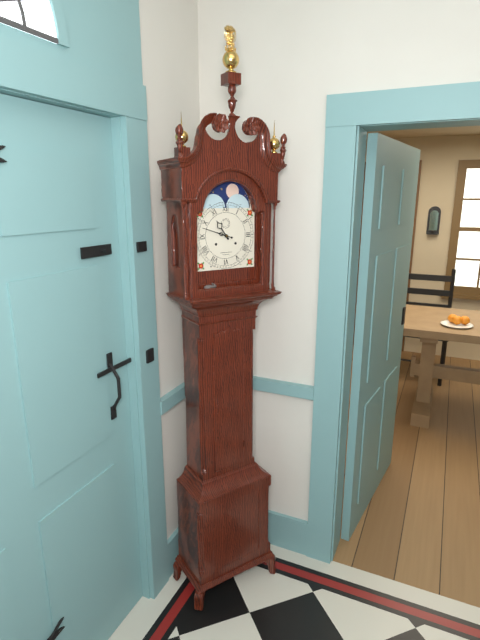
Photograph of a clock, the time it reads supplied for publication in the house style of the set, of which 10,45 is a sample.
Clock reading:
10,48
